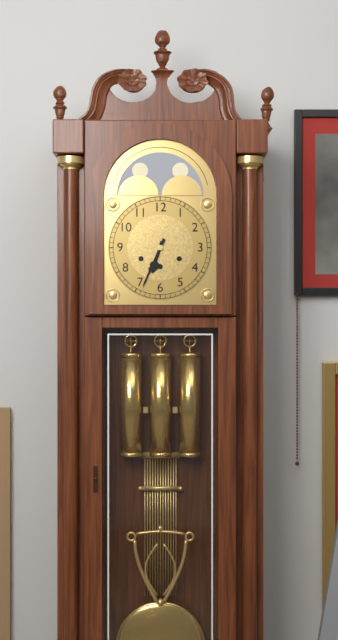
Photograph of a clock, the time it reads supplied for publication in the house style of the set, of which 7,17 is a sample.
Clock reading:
6,34
